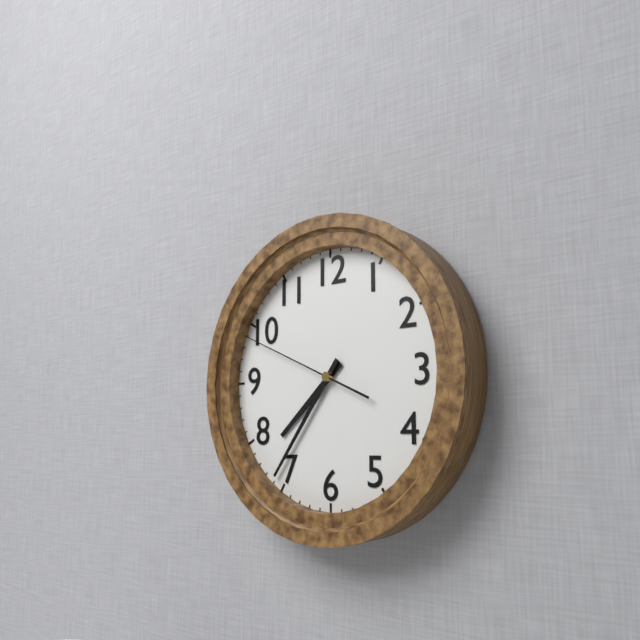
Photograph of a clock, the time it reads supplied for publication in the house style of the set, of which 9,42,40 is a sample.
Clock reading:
7,36,49
